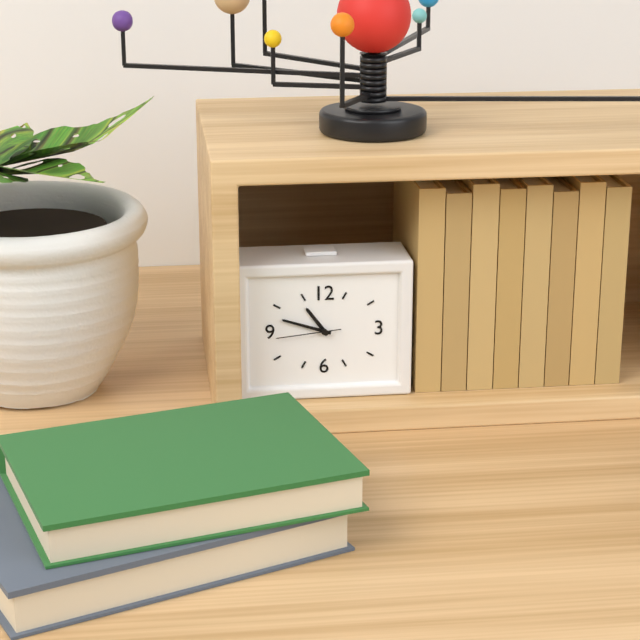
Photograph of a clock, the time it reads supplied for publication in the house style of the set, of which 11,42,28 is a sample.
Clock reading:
10,48,44
